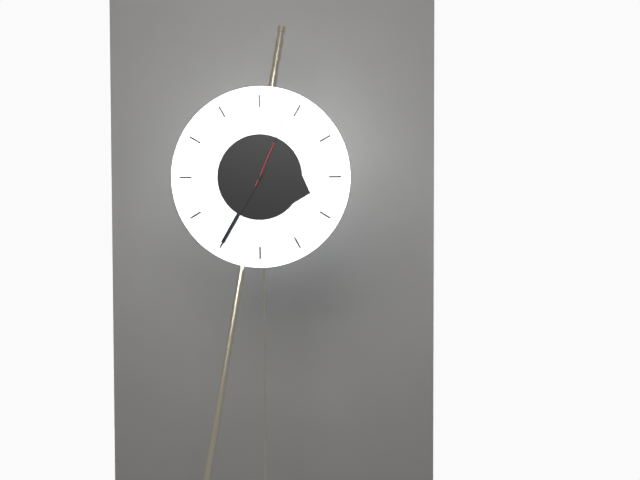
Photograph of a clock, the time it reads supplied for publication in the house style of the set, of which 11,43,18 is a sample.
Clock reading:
3,35,04
